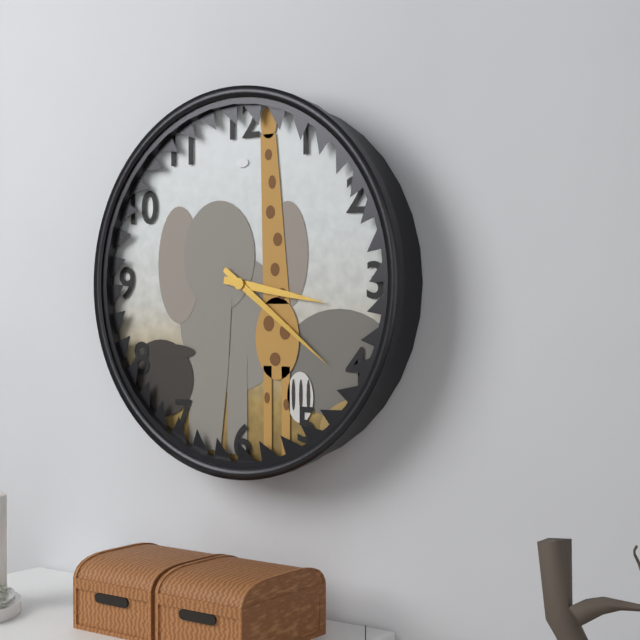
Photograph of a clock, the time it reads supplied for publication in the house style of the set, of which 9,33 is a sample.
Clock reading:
3,21
